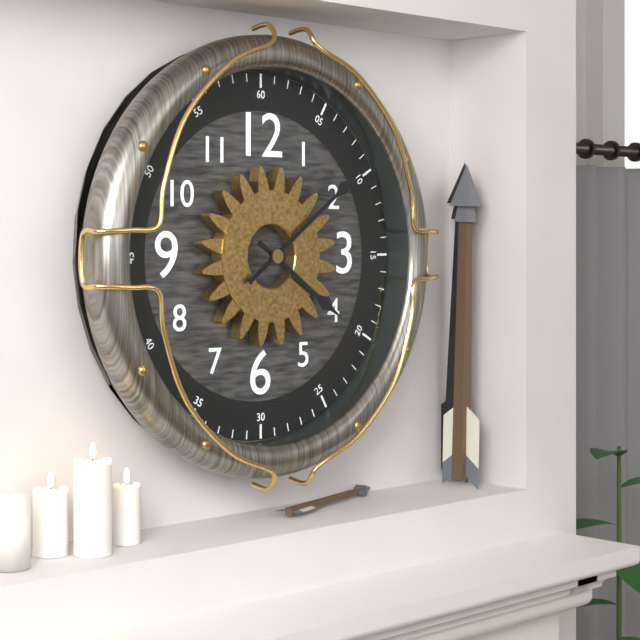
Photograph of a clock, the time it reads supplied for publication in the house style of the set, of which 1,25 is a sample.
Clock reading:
4,09
